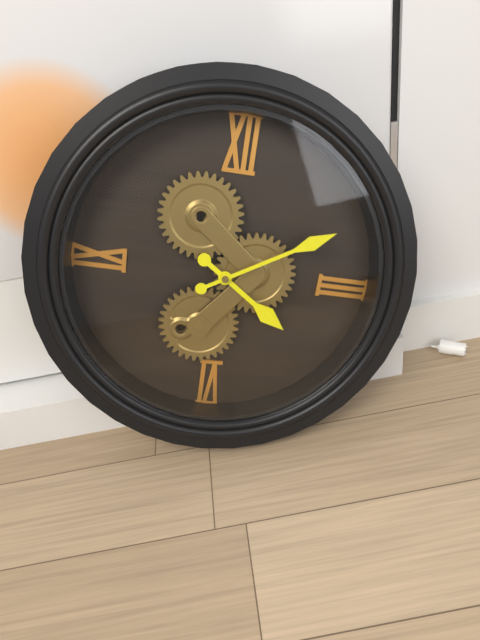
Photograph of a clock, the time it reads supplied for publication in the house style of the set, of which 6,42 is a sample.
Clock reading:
4,10
